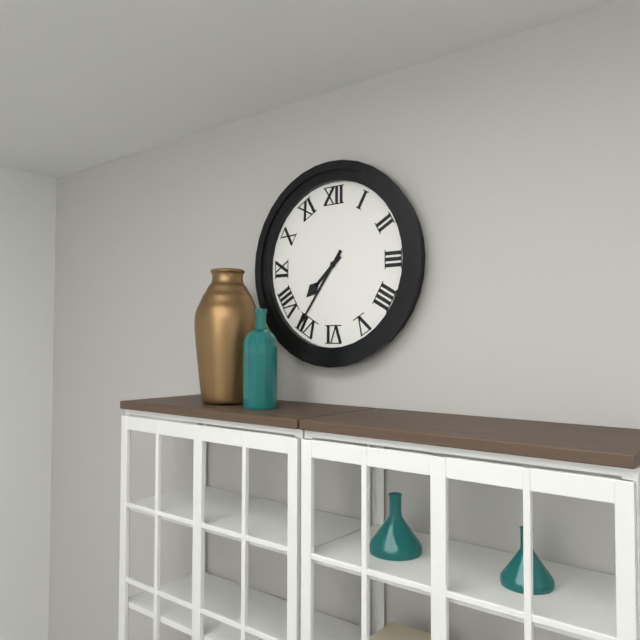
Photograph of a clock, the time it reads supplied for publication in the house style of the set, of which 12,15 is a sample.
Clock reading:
7,36
